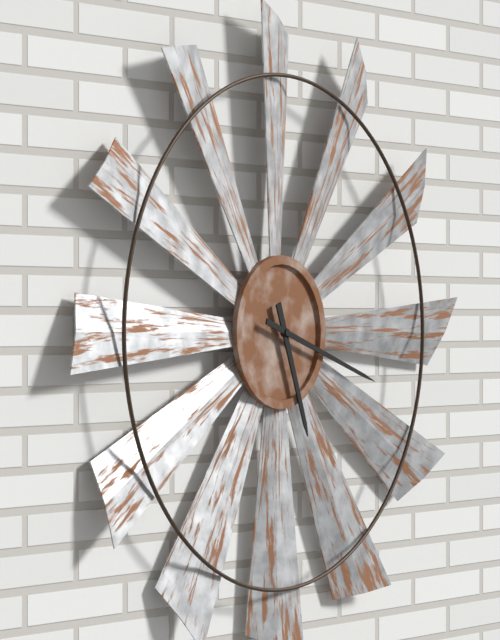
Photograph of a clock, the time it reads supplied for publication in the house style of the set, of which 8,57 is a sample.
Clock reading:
5,18
